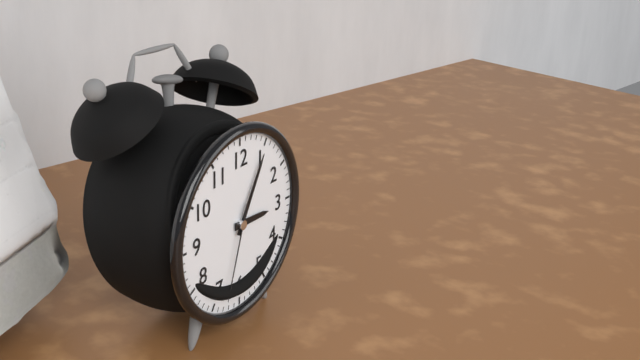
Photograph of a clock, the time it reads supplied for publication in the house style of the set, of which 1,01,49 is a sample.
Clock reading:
3,05,33
